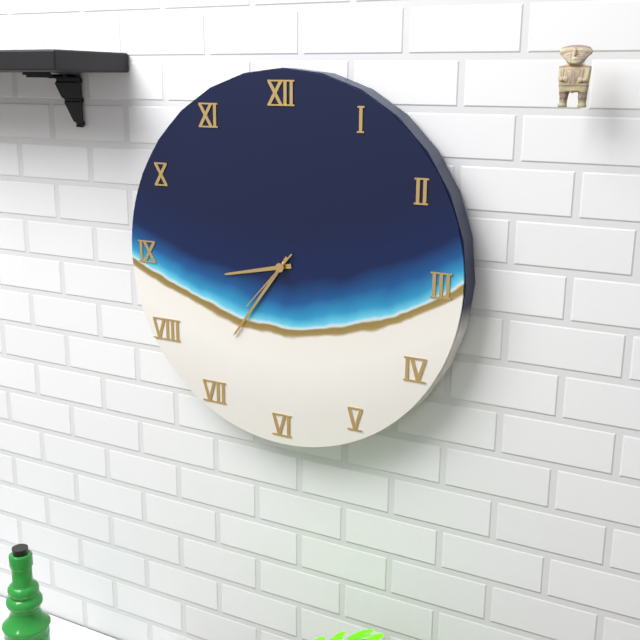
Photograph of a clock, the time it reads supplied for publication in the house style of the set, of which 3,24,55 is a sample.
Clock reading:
8,36,37
